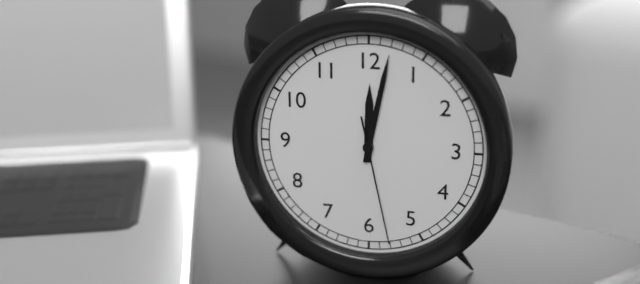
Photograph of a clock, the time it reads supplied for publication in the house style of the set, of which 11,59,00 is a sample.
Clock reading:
12,02,28
